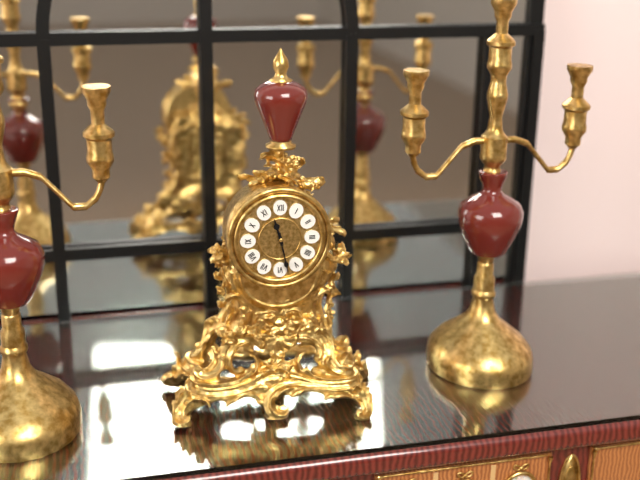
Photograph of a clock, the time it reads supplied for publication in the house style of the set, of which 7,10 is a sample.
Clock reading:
11,28
